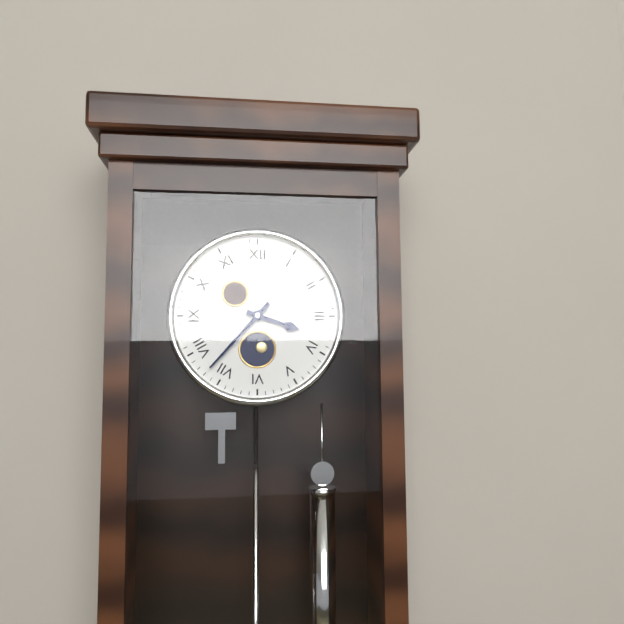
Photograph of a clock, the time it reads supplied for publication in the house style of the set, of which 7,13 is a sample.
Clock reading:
3,37
